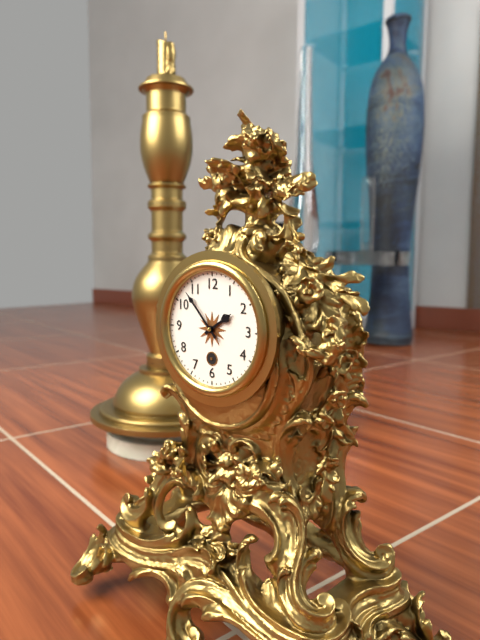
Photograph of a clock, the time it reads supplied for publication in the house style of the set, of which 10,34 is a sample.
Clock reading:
1,53
